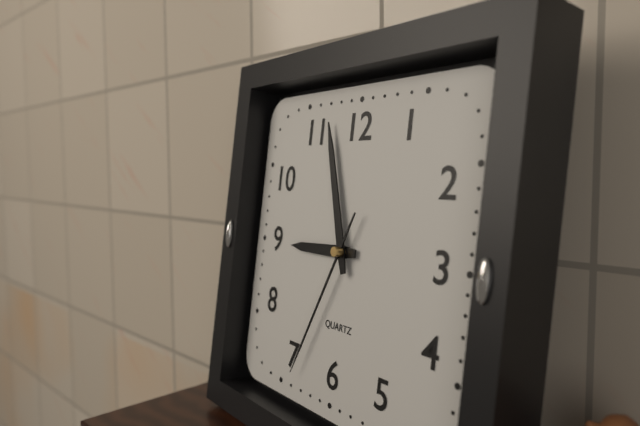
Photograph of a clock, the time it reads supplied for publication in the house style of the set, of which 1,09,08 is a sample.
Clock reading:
8,57,34
